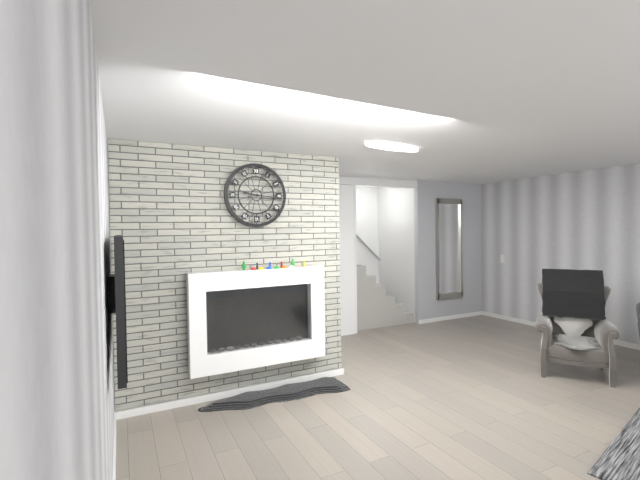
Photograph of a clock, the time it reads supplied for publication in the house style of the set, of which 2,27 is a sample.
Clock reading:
9,16
